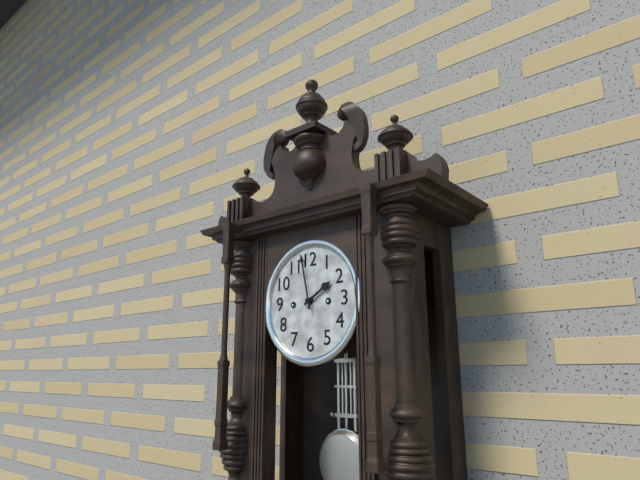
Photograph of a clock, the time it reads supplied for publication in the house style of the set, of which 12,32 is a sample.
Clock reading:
1,58
